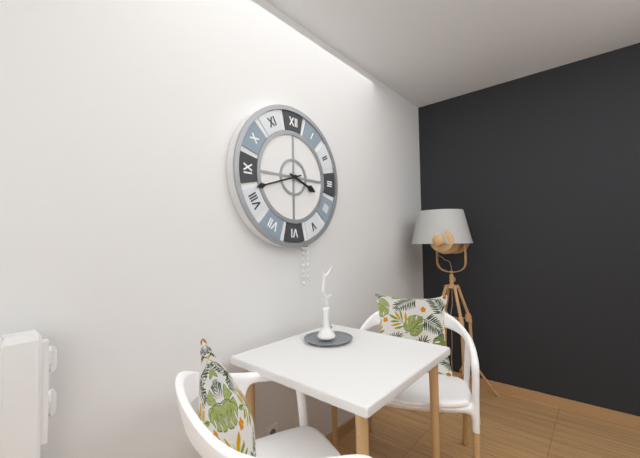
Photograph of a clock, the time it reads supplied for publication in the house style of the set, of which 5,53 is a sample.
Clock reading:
3,42
